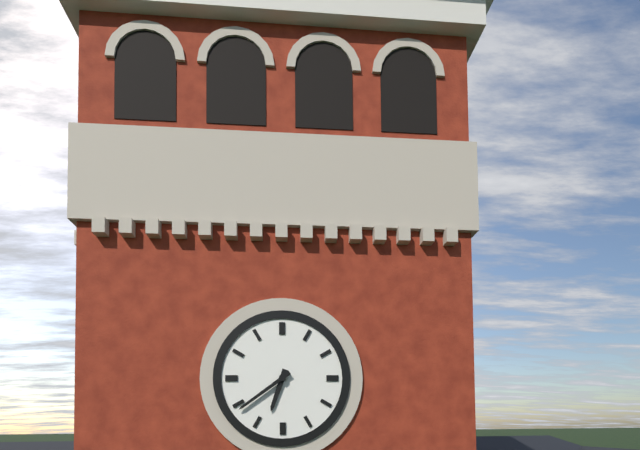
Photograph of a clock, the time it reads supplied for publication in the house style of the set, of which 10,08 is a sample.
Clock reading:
6,39
